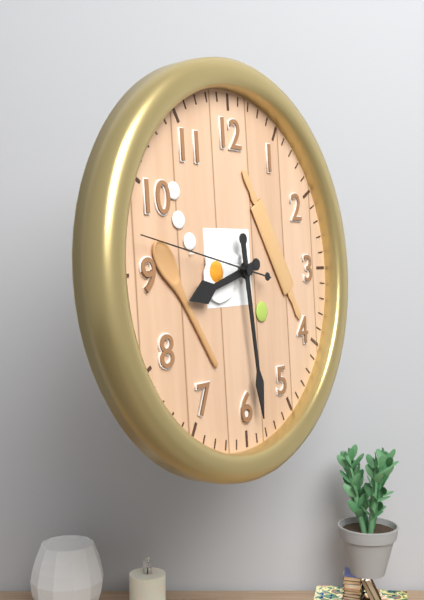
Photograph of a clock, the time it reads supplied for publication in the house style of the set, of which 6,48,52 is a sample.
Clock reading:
8,29,47
